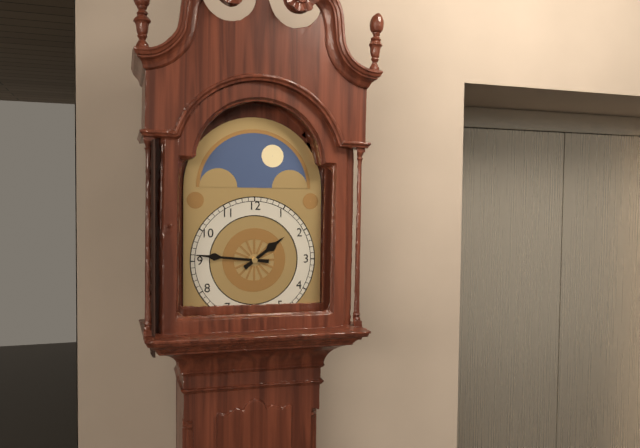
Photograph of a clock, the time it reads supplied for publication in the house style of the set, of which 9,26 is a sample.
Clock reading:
1,46
